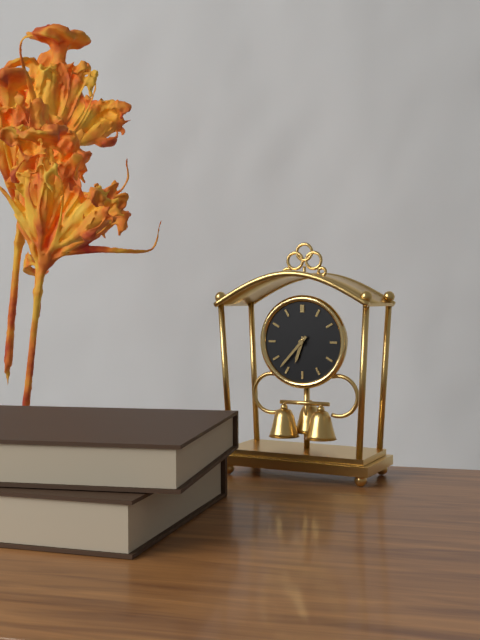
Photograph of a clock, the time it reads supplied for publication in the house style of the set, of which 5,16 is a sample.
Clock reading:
6,37
